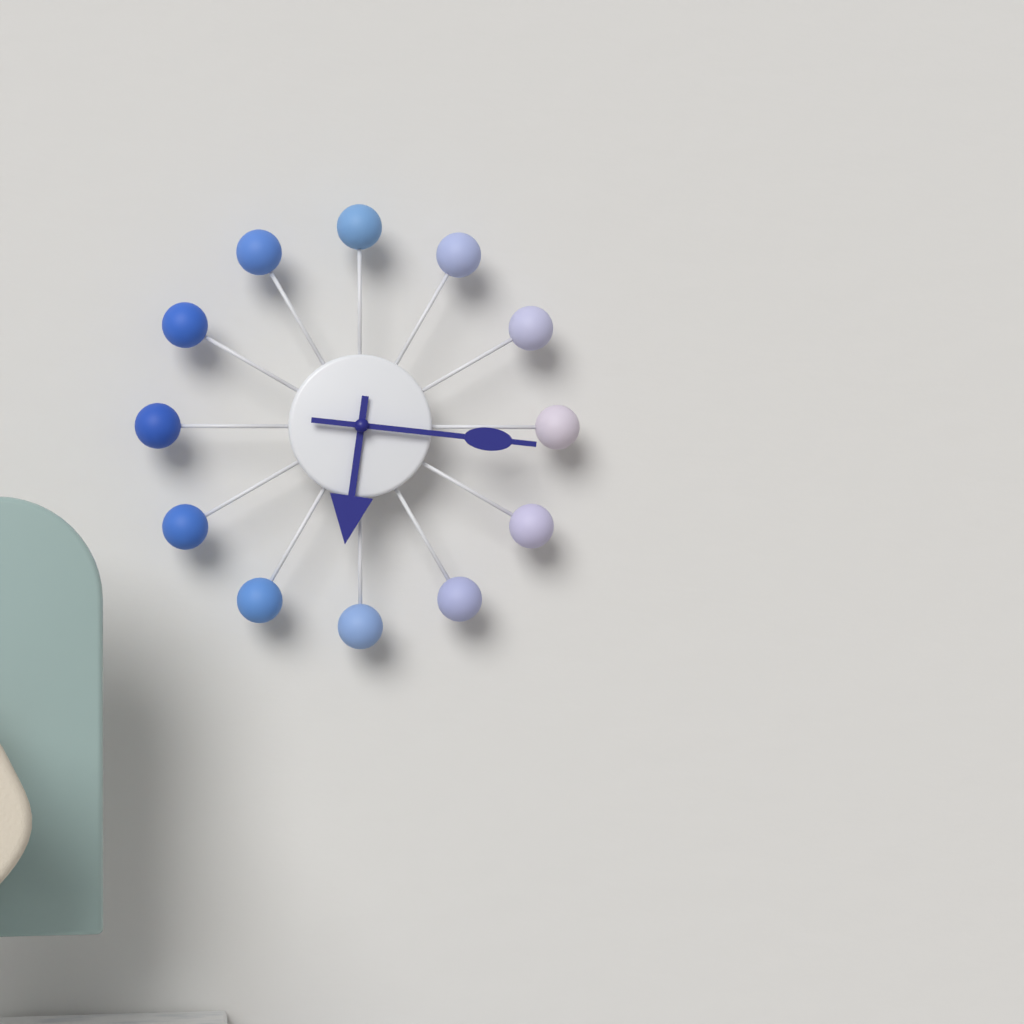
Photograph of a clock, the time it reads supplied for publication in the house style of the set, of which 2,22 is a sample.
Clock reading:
6,16
